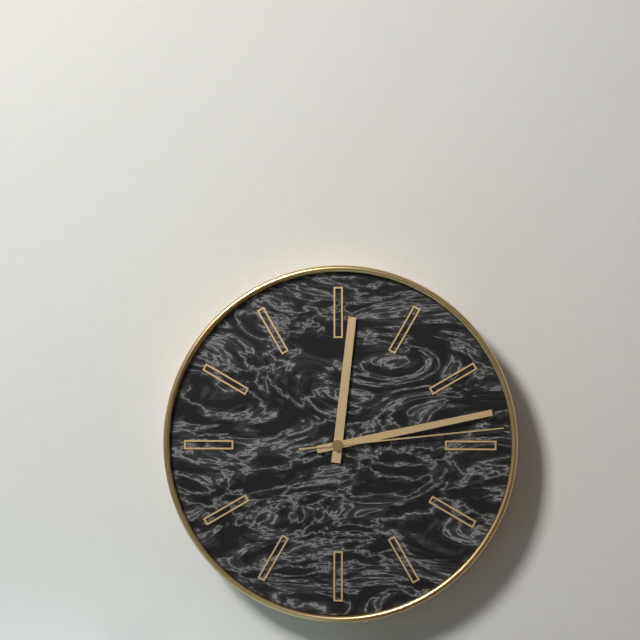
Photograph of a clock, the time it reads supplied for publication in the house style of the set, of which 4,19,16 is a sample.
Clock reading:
12,13,14
